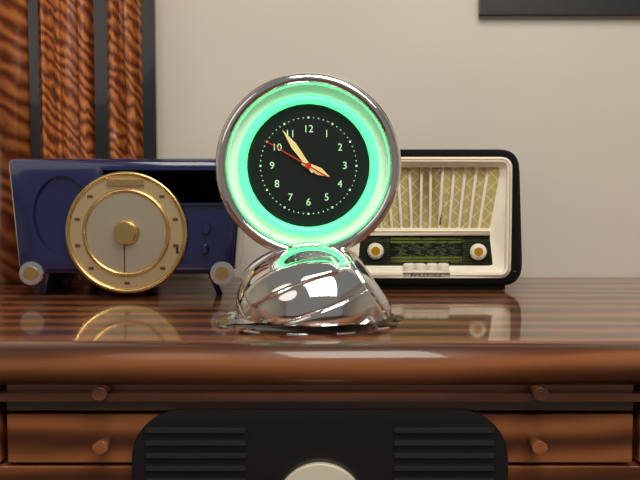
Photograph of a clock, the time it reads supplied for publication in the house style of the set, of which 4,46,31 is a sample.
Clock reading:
3,54,50
